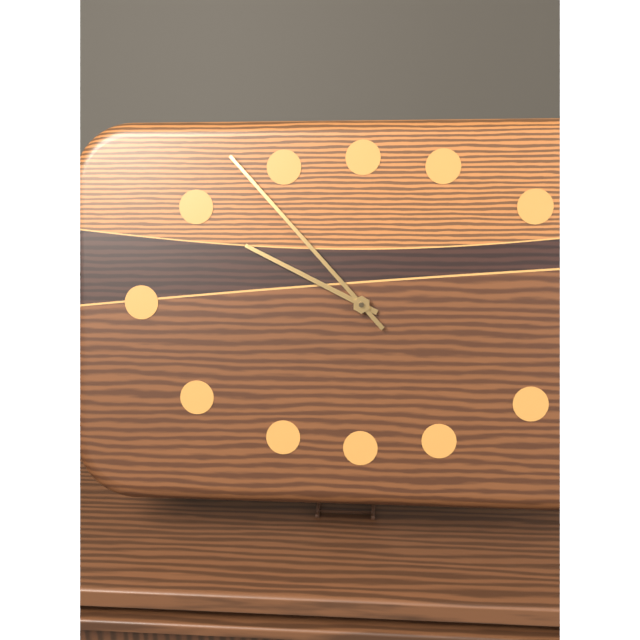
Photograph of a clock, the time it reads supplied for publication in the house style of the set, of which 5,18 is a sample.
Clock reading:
9,53
